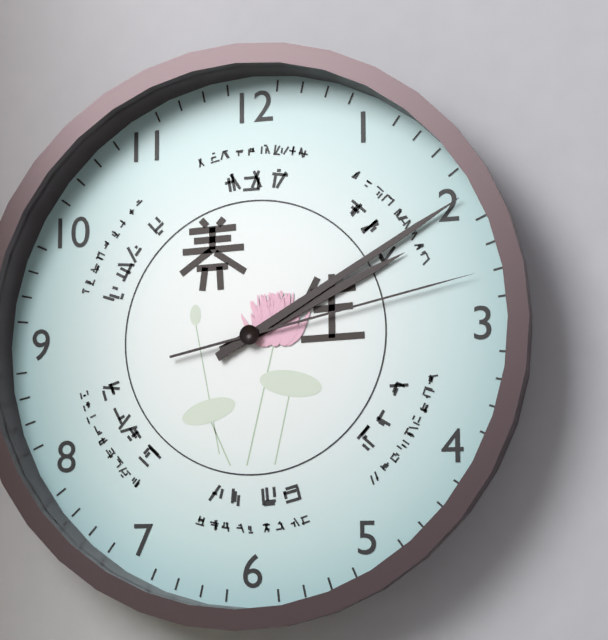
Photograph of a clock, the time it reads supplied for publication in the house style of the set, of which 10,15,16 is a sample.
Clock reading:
2,10,13
